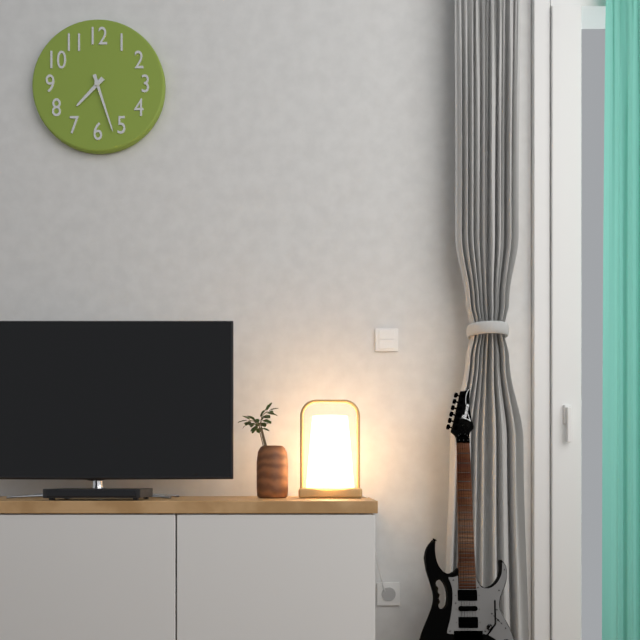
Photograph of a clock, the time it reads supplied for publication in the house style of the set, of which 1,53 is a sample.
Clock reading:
7,27
